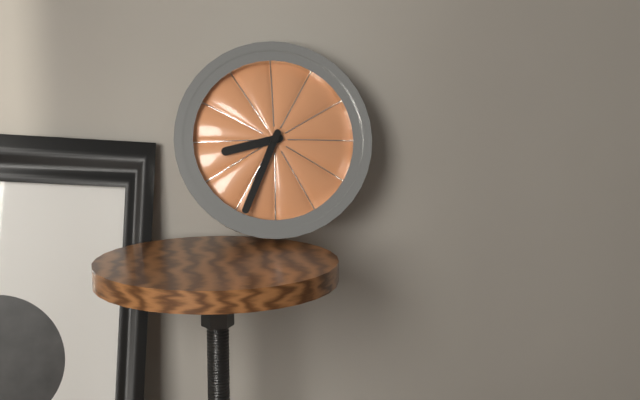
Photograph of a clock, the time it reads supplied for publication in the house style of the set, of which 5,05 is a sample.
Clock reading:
8,34
